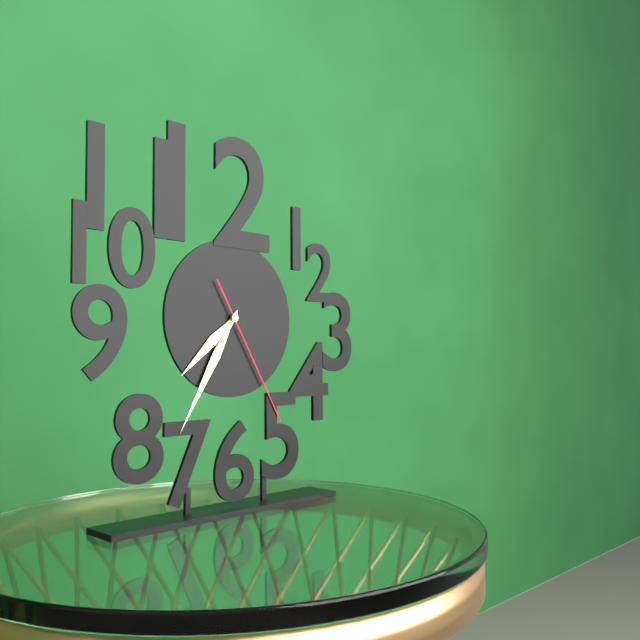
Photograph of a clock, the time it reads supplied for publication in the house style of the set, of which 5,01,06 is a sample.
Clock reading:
7,35,25
